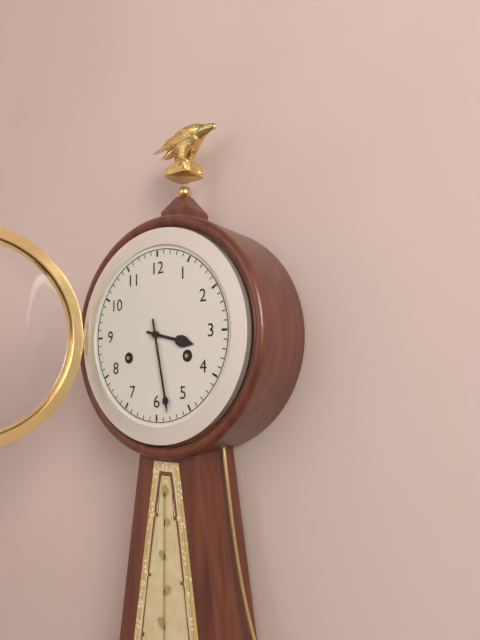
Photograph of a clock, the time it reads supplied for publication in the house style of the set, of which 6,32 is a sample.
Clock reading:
3,28
